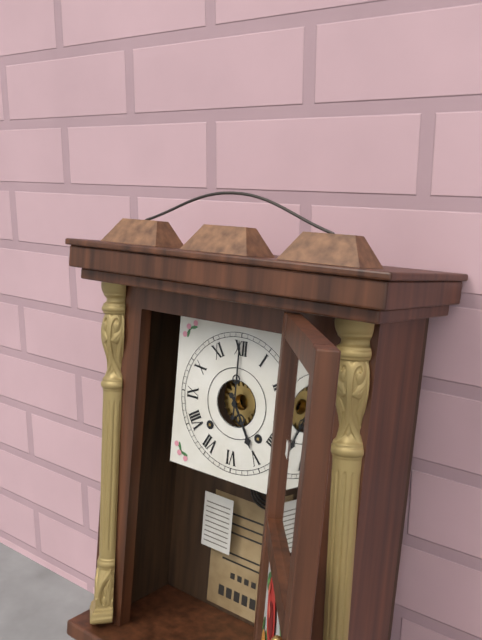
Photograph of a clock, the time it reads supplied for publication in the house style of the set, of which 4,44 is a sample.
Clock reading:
5,00
